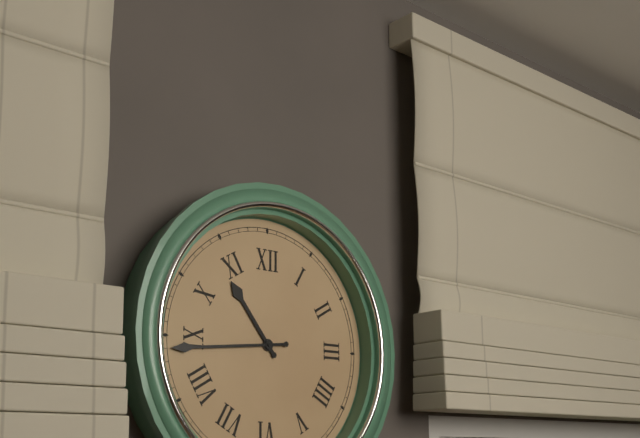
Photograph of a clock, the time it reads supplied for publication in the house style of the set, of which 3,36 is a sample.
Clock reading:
10,44
